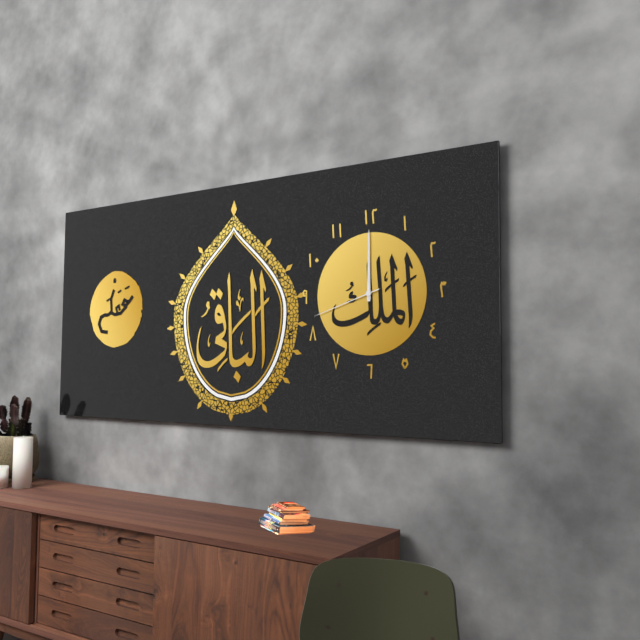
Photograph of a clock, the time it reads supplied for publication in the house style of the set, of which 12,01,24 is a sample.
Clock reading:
12,00,42
